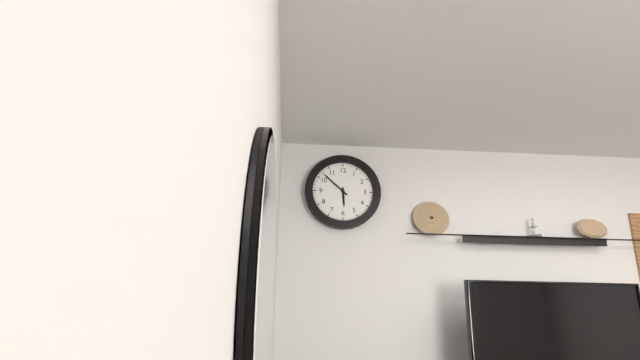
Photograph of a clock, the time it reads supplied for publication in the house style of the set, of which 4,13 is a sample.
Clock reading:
5,52
